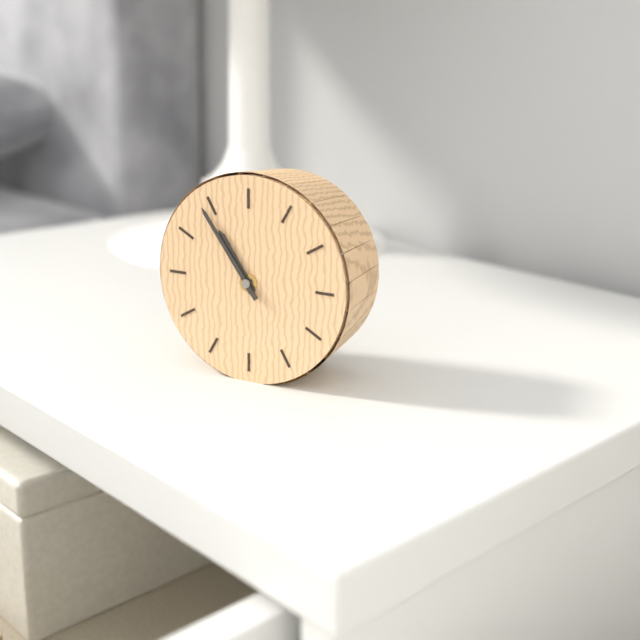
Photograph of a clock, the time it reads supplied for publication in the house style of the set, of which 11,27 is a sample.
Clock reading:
10,54
